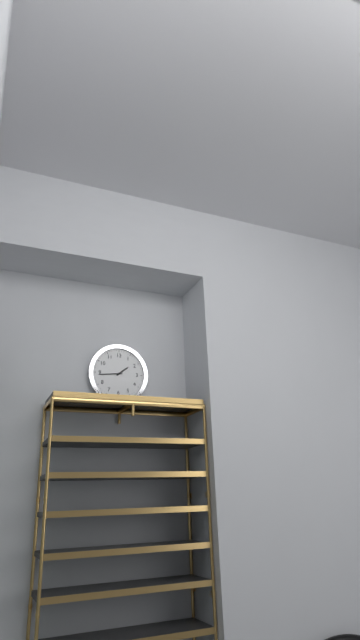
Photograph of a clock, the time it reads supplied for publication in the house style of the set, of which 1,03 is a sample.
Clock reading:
1,44
